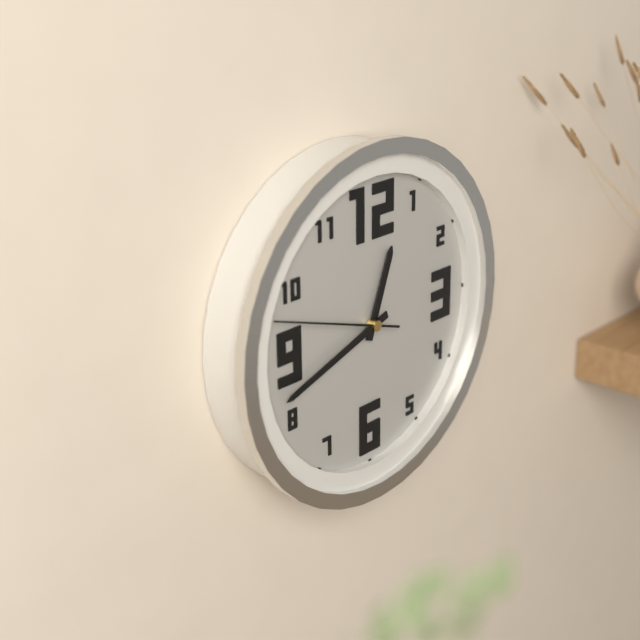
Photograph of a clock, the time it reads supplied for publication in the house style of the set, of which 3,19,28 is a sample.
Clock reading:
12,42,48
